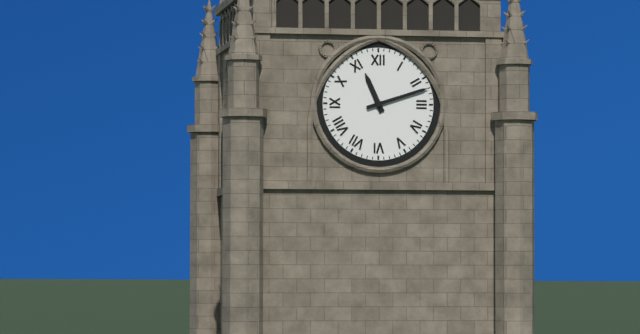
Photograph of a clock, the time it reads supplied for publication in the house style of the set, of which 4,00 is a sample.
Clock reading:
11,12
